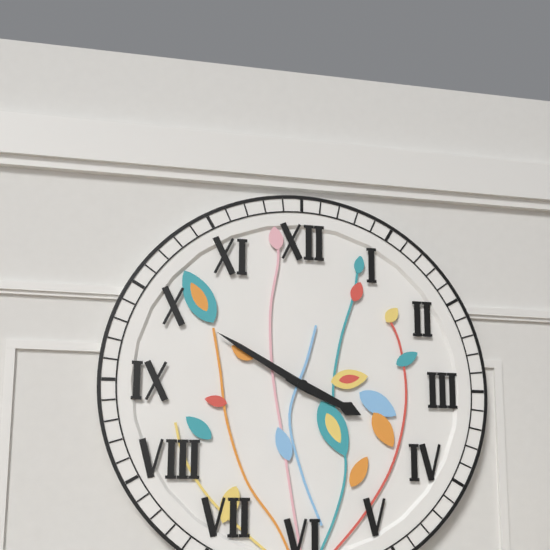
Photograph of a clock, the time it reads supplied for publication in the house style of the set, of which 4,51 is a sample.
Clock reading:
3,50
